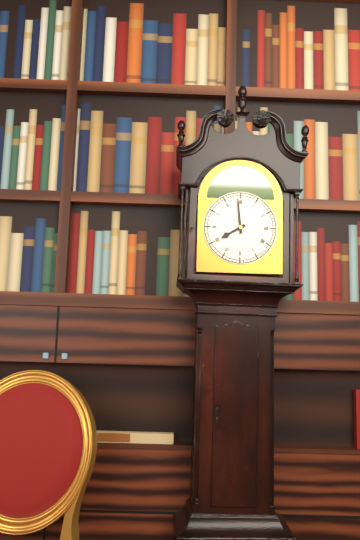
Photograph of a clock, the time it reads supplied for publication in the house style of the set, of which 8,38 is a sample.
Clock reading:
7,59
